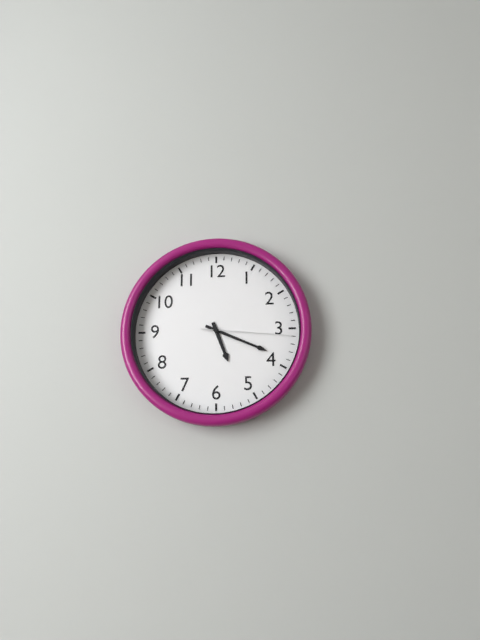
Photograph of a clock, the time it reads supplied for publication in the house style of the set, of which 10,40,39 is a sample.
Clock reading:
5,19,16
